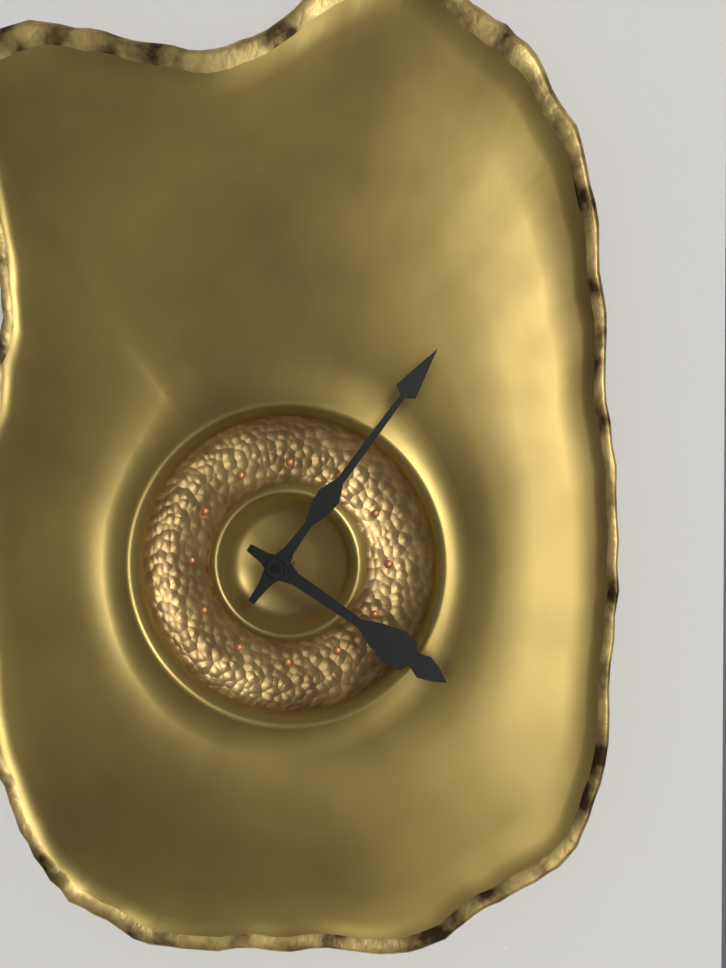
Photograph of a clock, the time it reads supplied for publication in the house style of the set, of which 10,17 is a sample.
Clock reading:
4,06
